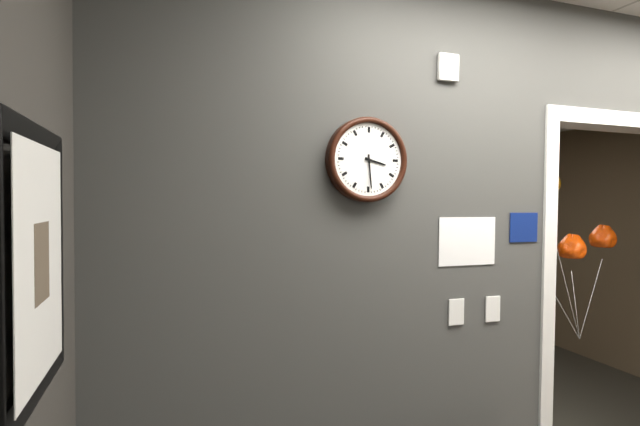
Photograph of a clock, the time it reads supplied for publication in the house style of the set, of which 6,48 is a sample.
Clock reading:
3,29
